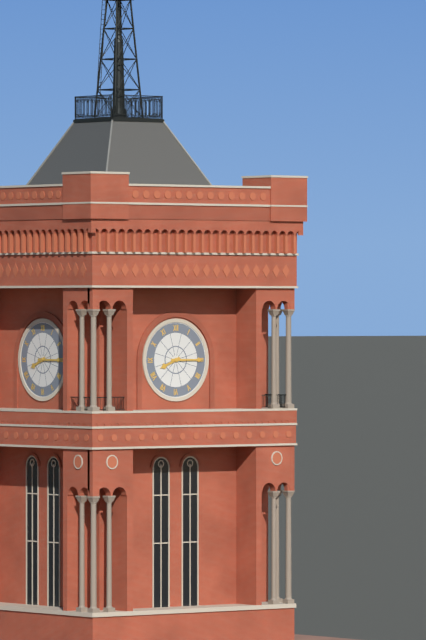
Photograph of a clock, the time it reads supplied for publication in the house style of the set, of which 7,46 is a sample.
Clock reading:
8,15
